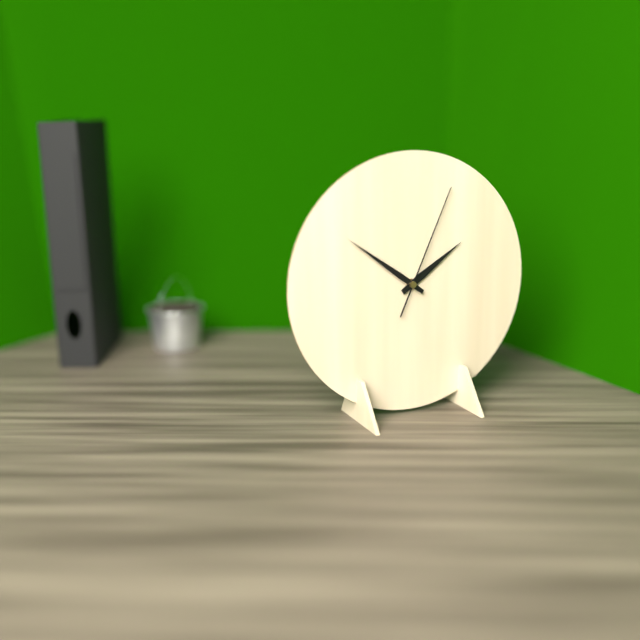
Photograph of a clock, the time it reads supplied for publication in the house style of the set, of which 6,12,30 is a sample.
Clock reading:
1,51,04
